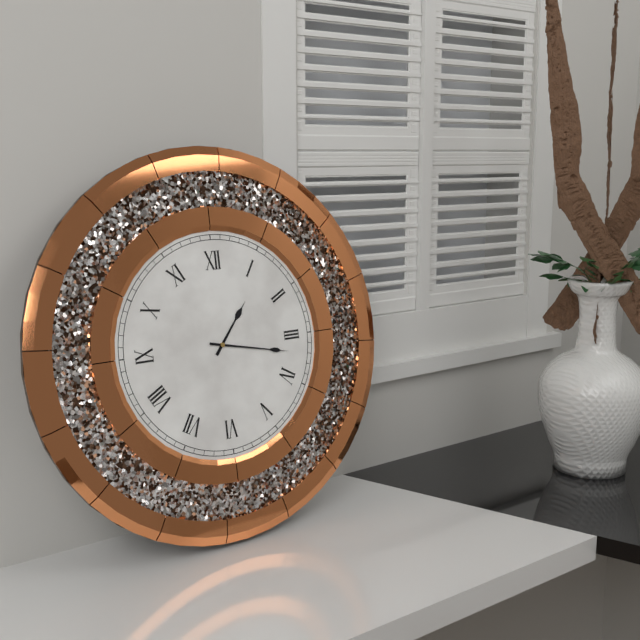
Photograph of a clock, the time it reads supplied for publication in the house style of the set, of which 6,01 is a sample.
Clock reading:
1,17
